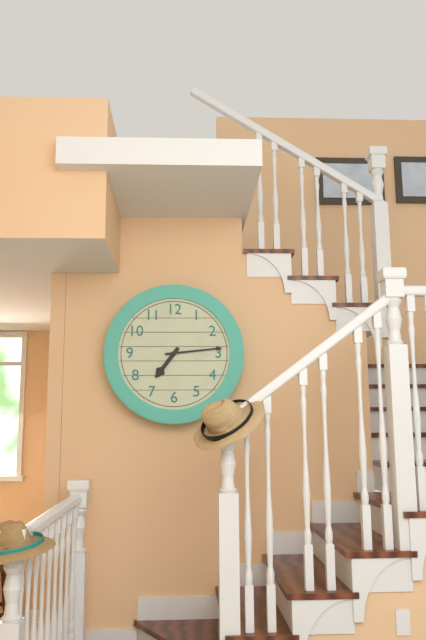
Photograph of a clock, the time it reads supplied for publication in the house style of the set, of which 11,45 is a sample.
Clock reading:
7,14
